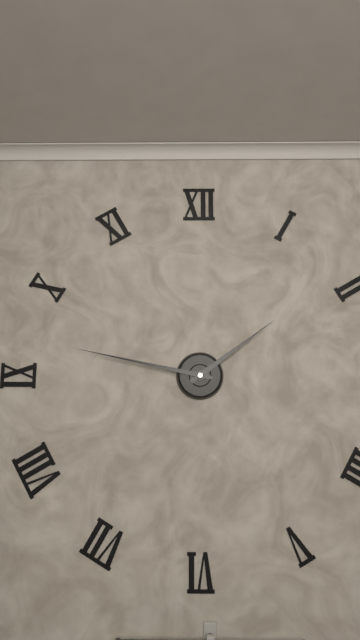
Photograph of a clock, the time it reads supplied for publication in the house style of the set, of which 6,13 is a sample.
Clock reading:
1,47
